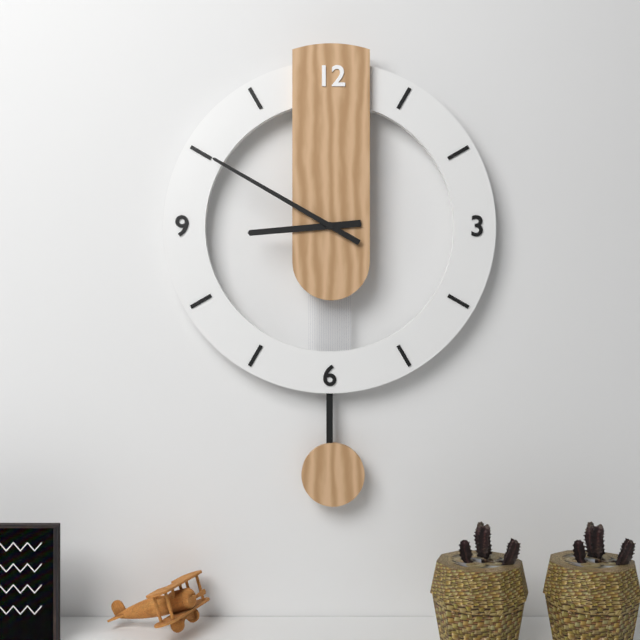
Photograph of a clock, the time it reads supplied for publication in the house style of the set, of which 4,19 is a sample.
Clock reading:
8,50
